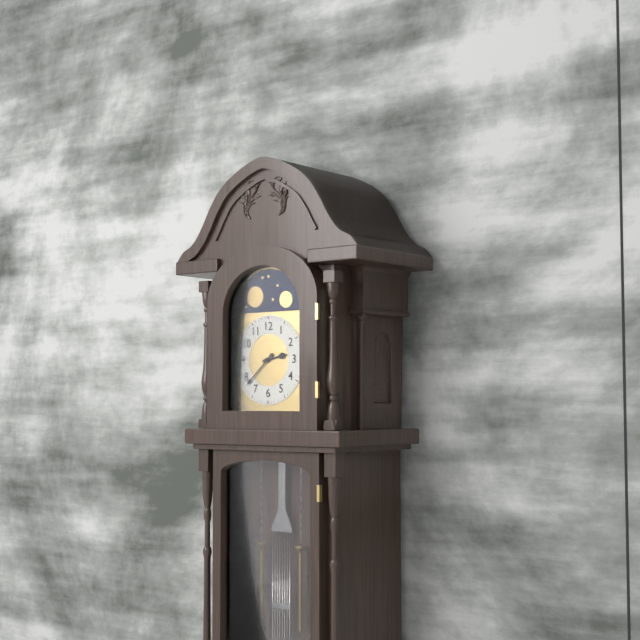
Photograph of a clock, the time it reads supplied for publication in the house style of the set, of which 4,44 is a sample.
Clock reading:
2,38
